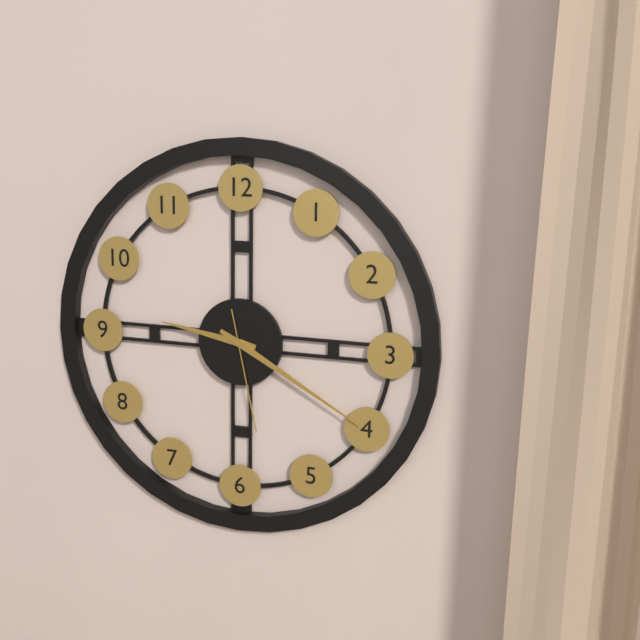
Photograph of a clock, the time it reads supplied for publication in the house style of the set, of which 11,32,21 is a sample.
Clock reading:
9,20,28
